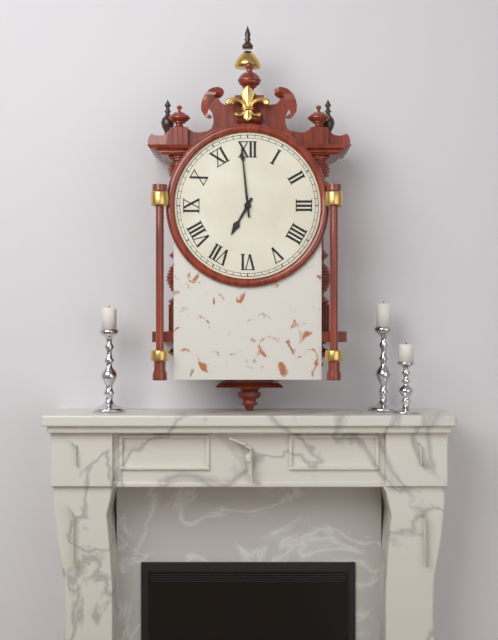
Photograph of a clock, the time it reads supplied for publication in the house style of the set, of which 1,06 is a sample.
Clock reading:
6,59
